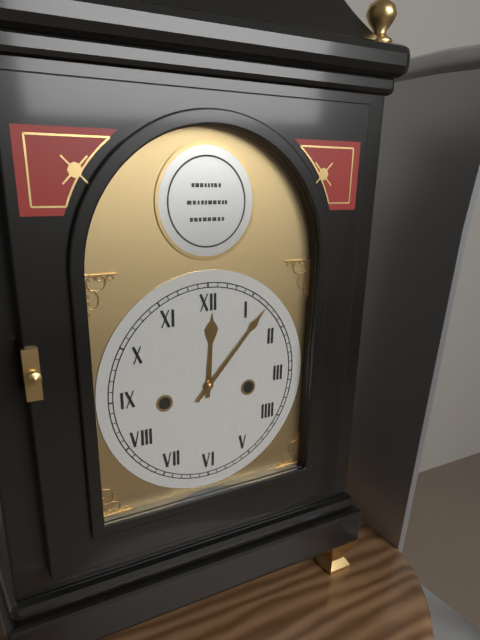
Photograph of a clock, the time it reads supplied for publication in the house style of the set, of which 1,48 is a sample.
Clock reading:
12,07
